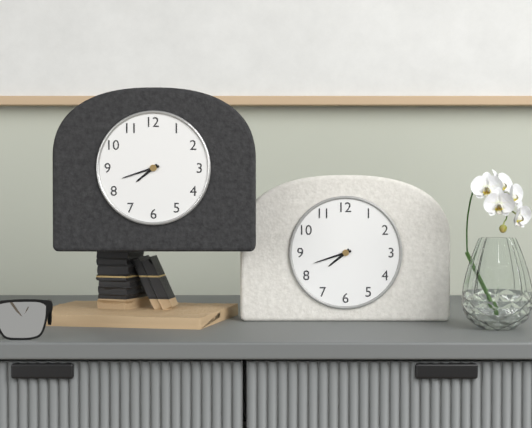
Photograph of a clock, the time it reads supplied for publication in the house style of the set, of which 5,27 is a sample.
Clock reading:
7,42
